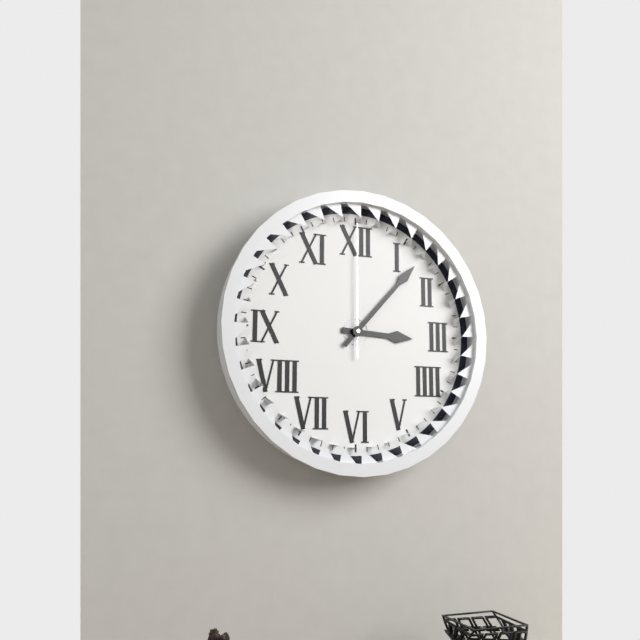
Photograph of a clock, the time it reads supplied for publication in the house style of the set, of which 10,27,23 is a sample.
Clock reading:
3,07,00
